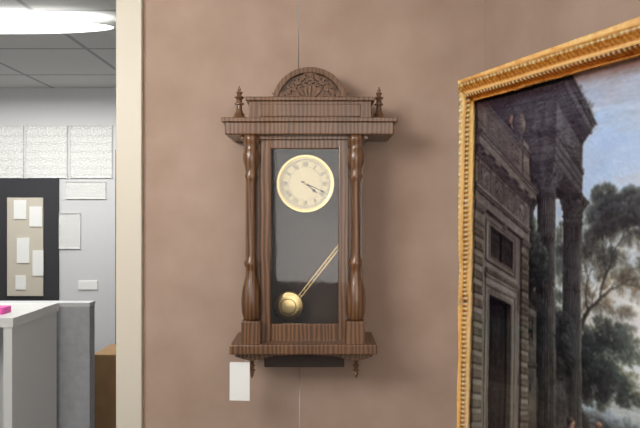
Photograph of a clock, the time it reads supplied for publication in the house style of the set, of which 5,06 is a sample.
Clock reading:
4,19
